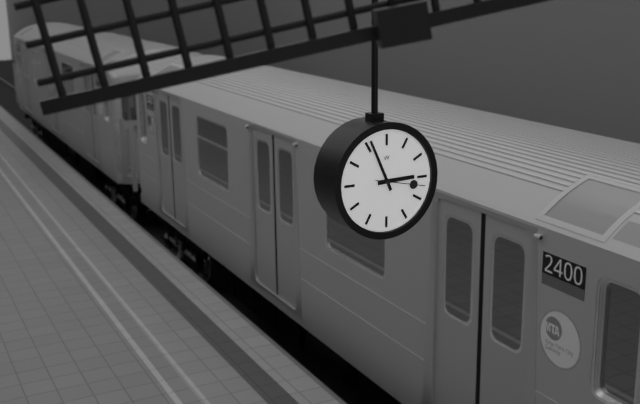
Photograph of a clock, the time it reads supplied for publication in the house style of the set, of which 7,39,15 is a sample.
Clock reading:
2,56,17
